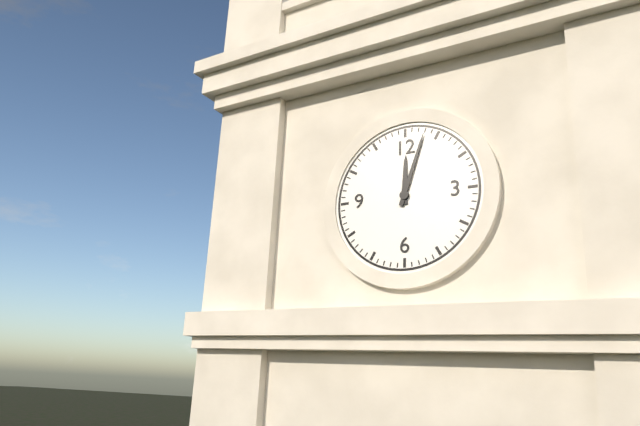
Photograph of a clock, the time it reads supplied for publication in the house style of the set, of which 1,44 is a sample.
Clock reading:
12,03
